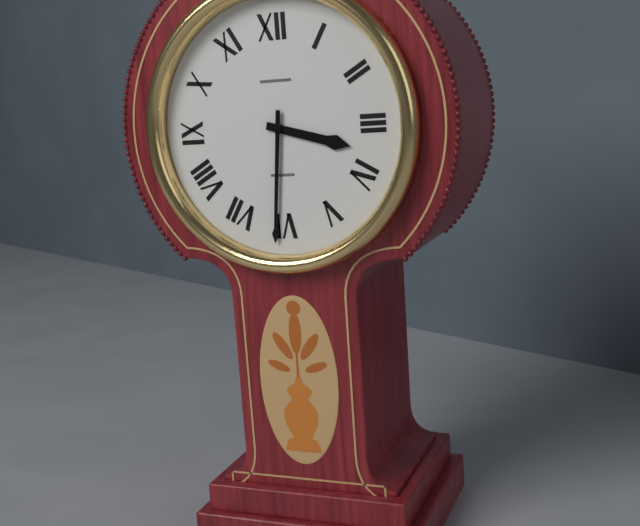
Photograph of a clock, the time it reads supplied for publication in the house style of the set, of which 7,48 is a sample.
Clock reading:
3,31
